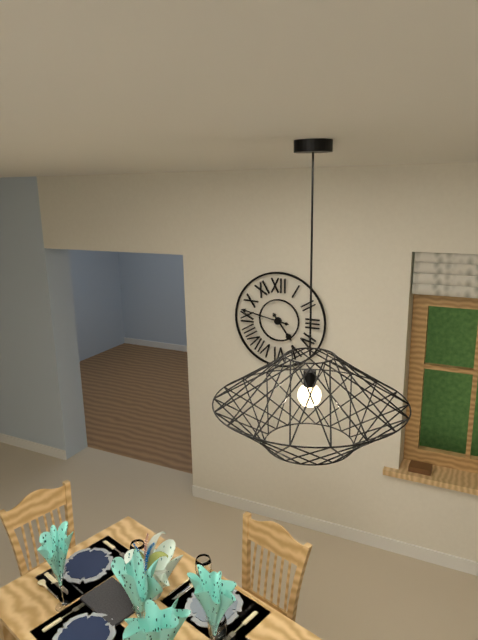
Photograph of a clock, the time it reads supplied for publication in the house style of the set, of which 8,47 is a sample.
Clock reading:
4,47
